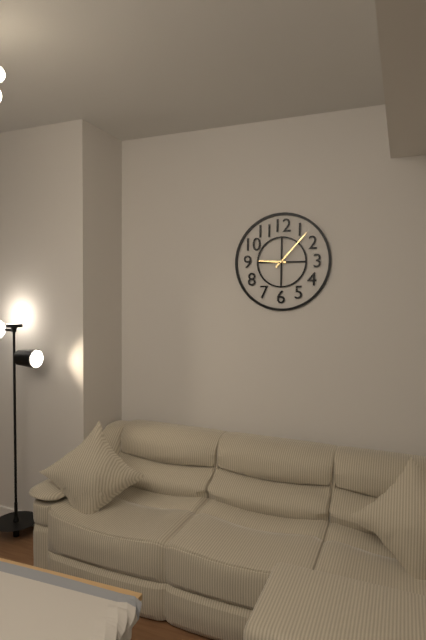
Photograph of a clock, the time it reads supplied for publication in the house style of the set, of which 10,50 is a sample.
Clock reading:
9,07
